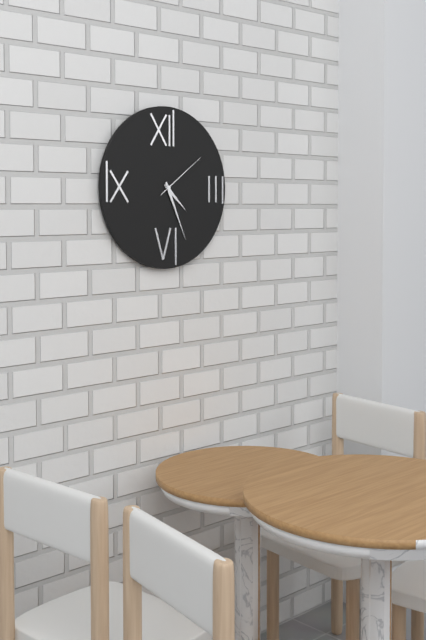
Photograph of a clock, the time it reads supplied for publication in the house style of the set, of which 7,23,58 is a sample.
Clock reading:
4,26,09
